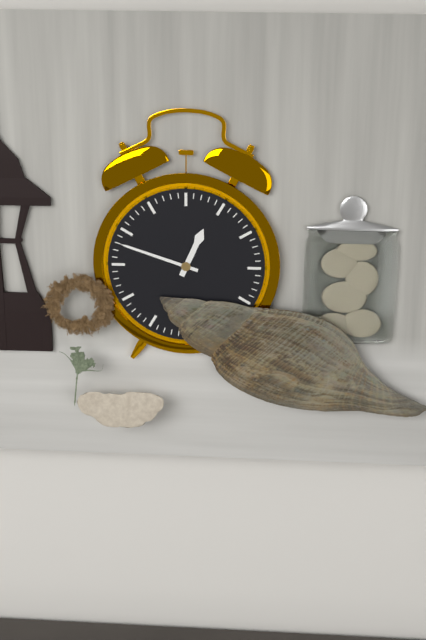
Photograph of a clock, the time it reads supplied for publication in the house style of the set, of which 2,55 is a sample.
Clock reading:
12,48
